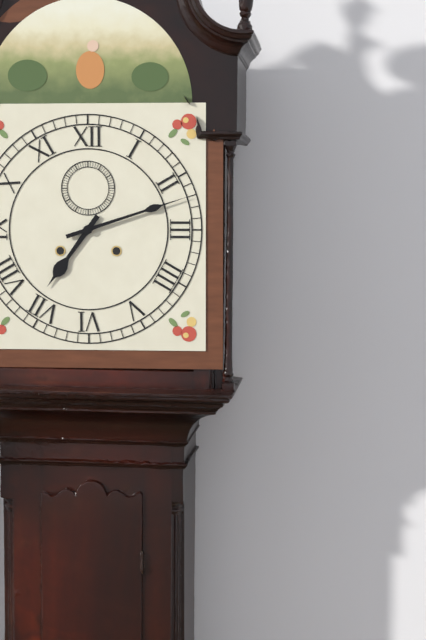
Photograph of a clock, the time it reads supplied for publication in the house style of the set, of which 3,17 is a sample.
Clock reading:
7,12
